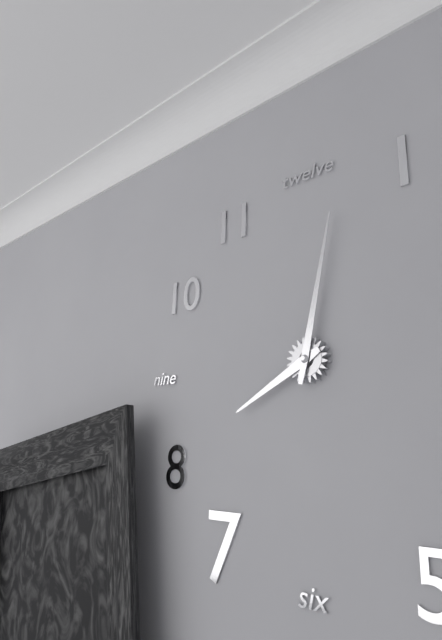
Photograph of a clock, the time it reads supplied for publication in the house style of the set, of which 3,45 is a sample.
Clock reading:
8,02
